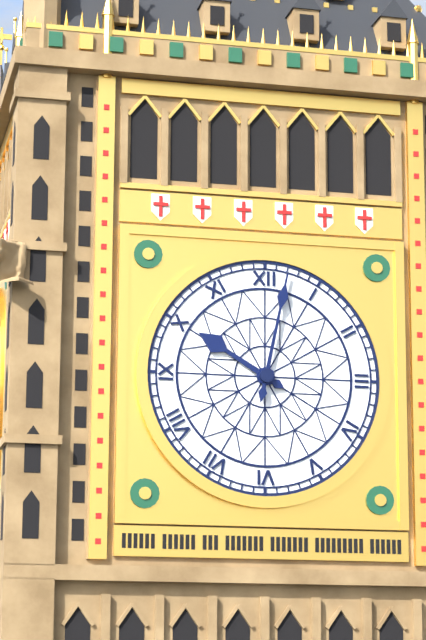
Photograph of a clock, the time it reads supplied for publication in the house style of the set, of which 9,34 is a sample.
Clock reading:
10,02
